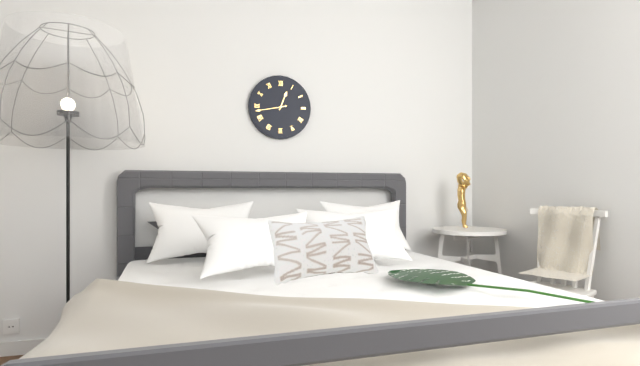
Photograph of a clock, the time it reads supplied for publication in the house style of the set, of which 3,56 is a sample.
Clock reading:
12,43
